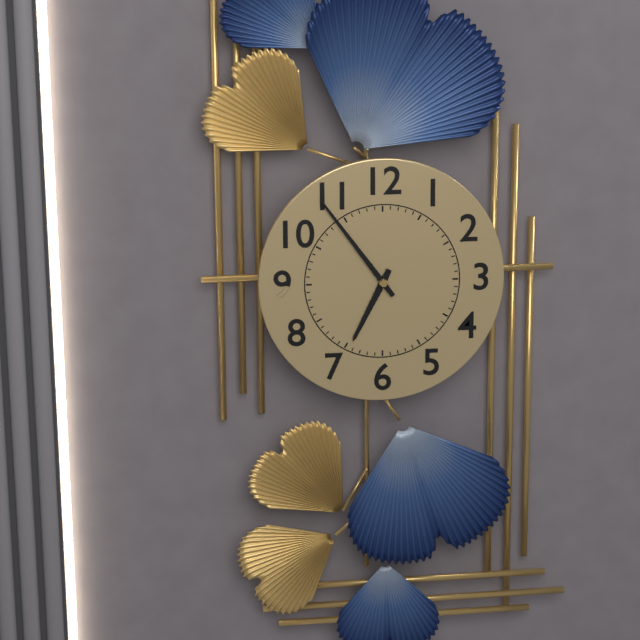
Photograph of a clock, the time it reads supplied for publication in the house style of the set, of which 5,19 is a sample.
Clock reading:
6,54
